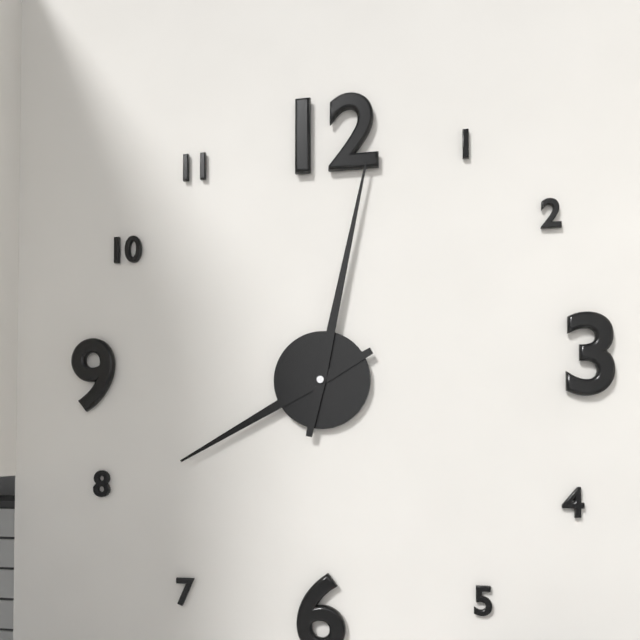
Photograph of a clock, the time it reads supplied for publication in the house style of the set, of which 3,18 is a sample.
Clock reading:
8,02
